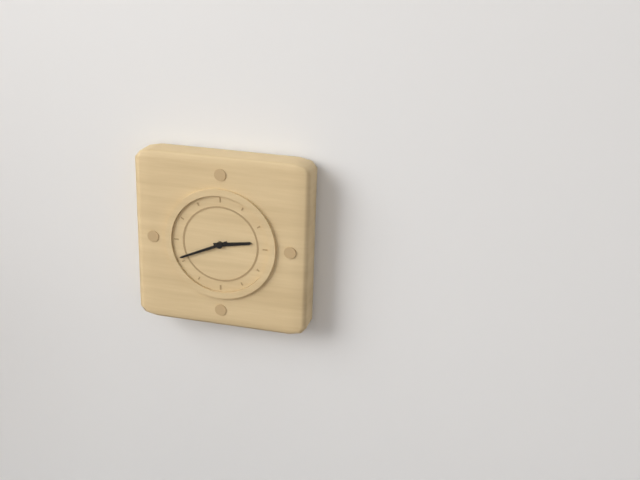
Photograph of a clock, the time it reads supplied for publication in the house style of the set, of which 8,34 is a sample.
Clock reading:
2,41
